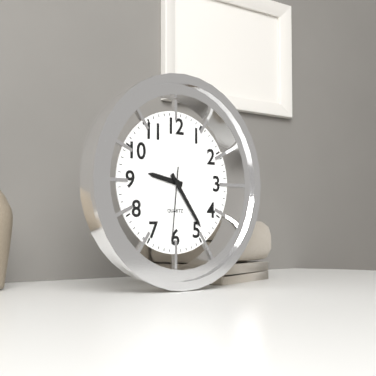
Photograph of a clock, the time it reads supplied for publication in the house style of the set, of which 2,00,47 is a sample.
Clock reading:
9,24,31
